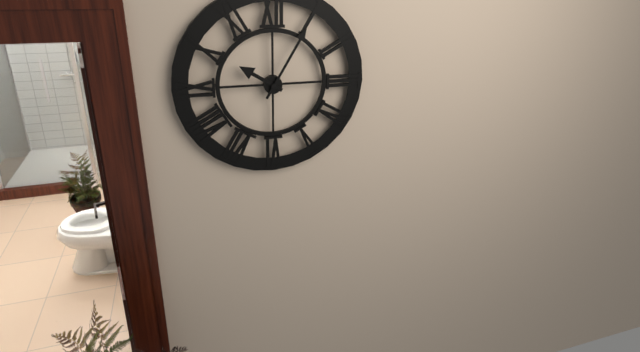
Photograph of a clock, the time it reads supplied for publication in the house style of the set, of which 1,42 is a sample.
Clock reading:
10,05
